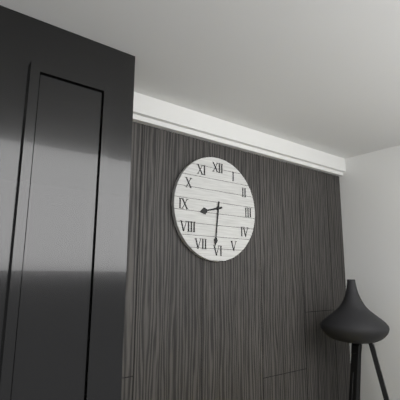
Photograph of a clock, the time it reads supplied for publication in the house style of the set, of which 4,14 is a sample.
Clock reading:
8,31
